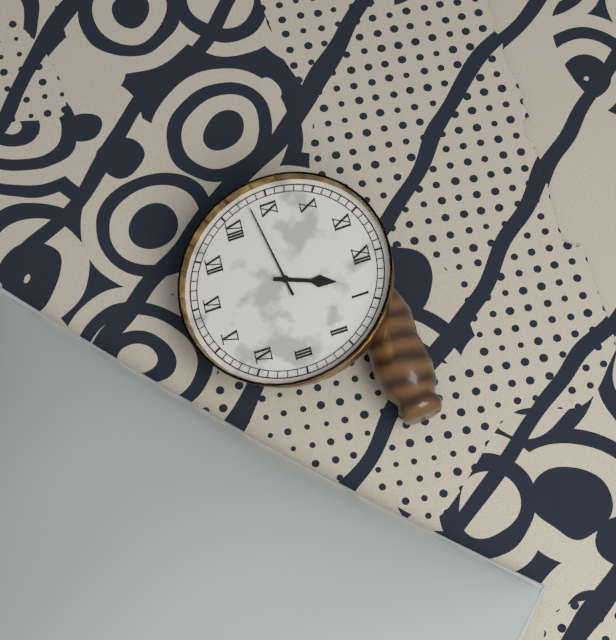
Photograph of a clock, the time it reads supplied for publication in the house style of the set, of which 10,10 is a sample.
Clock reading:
12,43
